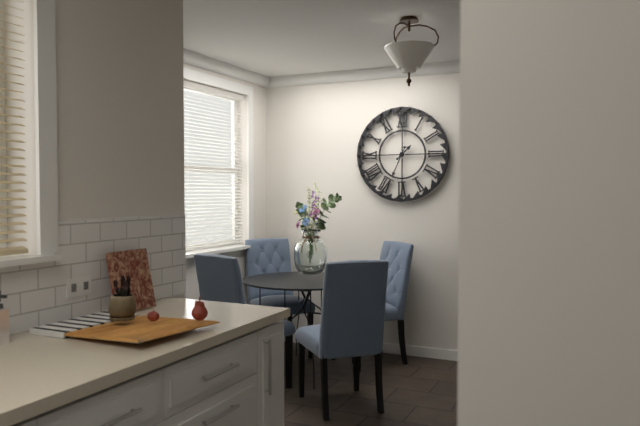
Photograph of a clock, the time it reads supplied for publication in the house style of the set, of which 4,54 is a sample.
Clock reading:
1,34
